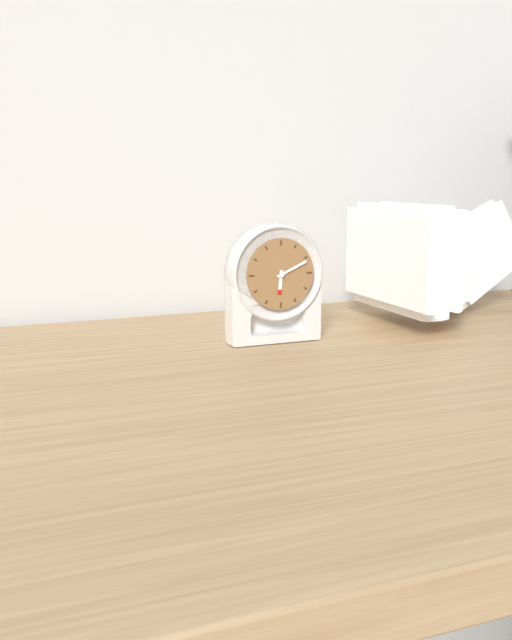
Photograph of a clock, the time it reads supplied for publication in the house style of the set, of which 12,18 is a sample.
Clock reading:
6,11
